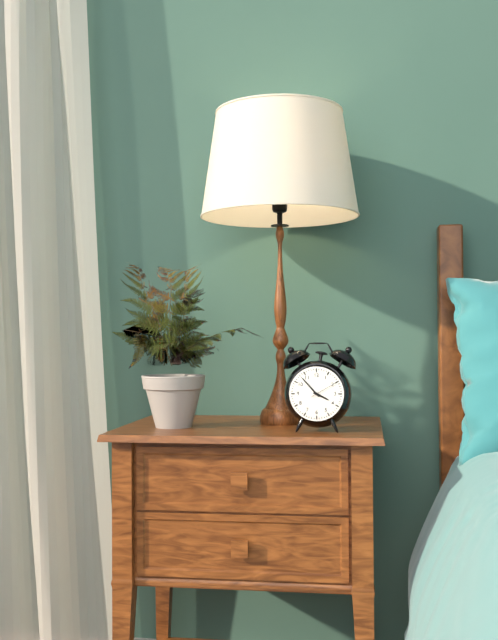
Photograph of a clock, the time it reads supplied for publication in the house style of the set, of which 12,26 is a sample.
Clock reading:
3,53
